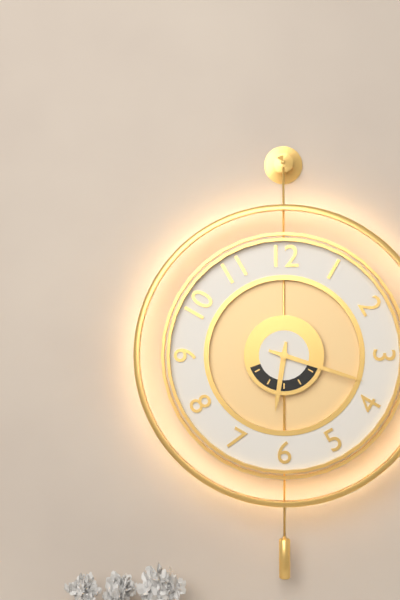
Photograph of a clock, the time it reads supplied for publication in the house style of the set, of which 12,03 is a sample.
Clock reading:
6,18
